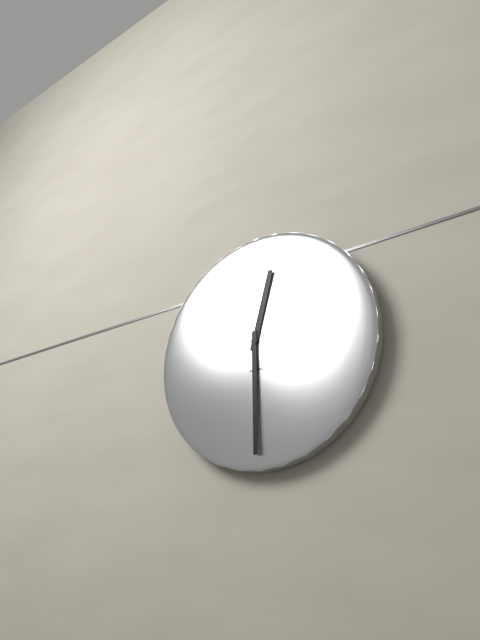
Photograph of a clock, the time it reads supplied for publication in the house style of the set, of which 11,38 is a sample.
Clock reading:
12,30
